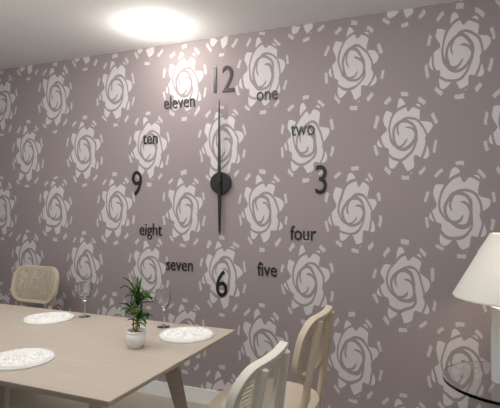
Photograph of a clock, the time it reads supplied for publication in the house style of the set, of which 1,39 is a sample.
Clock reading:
6,00
